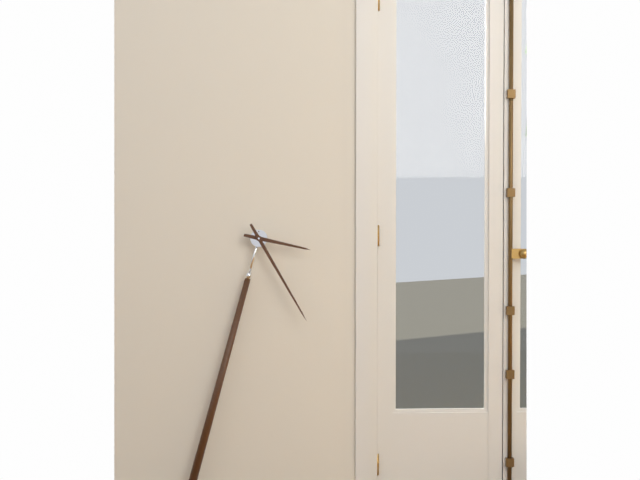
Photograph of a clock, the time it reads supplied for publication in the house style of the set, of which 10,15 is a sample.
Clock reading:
3,25
